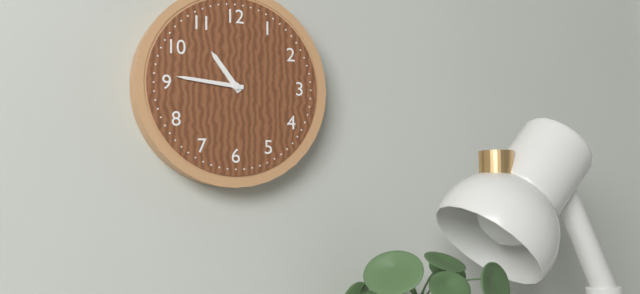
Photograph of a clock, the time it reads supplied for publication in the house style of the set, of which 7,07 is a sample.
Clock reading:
10,46
